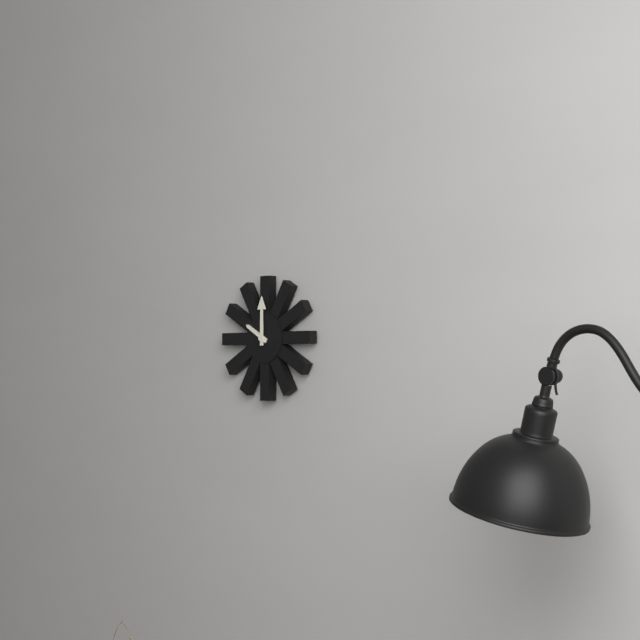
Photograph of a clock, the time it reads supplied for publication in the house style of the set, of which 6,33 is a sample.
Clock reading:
10,00
